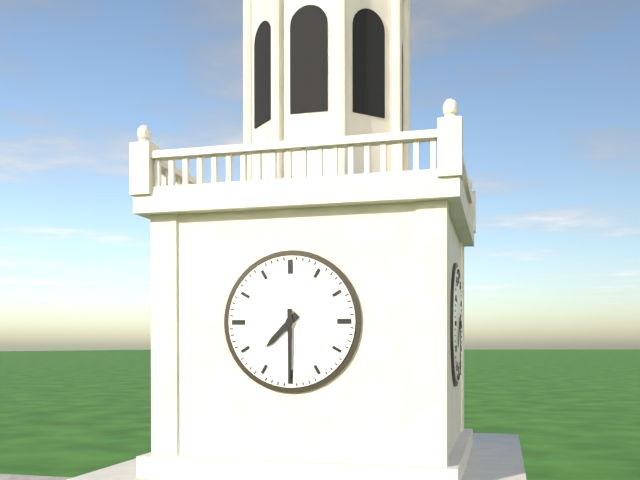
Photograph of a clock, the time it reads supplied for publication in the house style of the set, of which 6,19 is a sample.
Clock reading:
7,30
